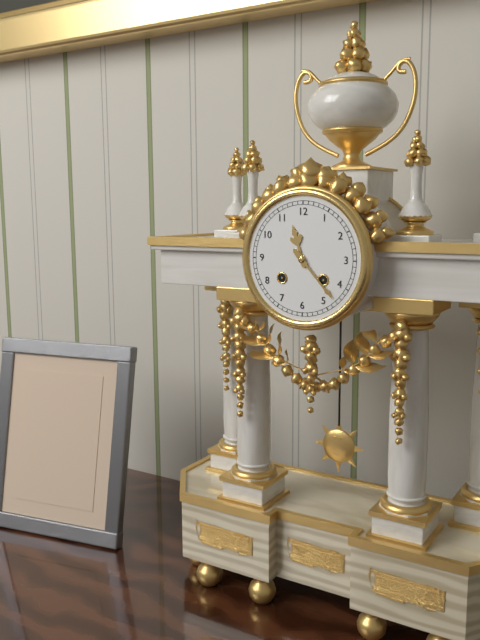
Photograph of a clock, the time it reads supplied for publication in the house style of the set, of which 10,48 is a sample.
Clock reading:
11,23
